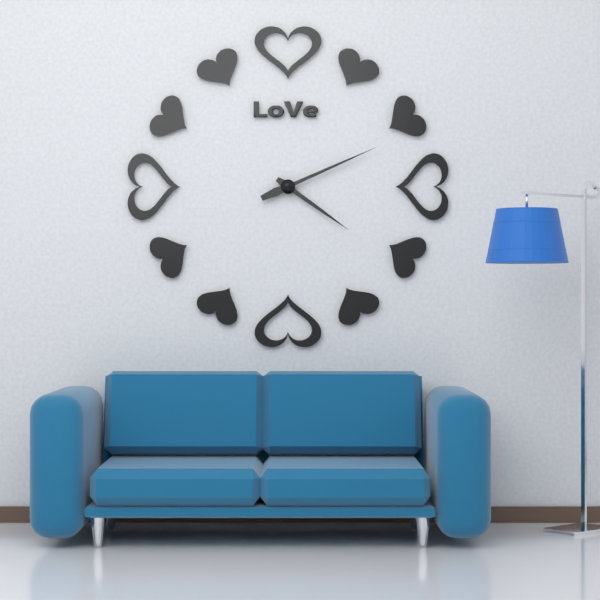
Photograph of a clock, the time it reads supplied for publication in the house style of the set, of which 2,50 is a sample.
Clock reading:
4,11
